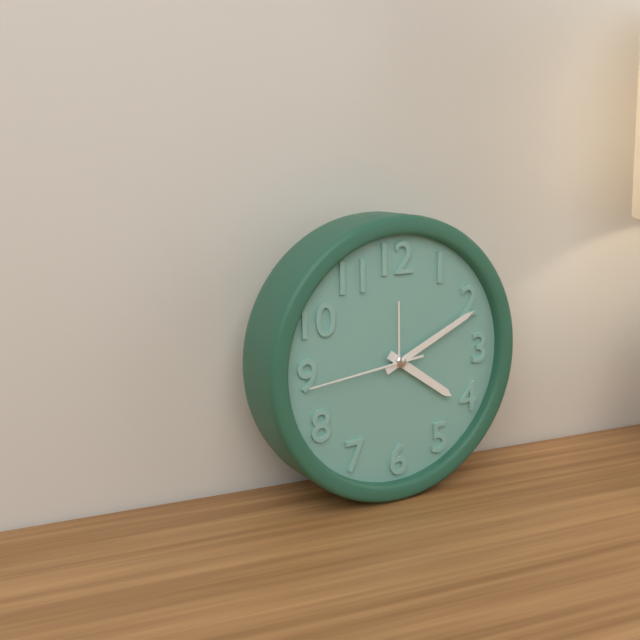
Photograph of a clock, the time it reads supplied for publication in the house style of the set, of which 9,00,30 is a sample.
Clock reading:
4,11,44
